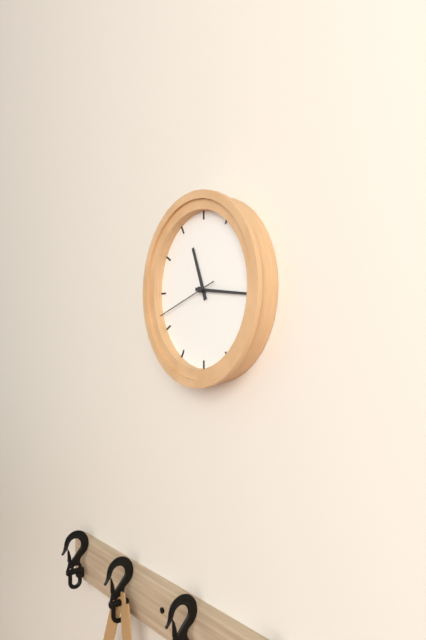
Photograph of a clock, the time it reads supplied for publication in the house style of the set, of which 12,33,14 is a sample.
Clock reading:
11,16,42
